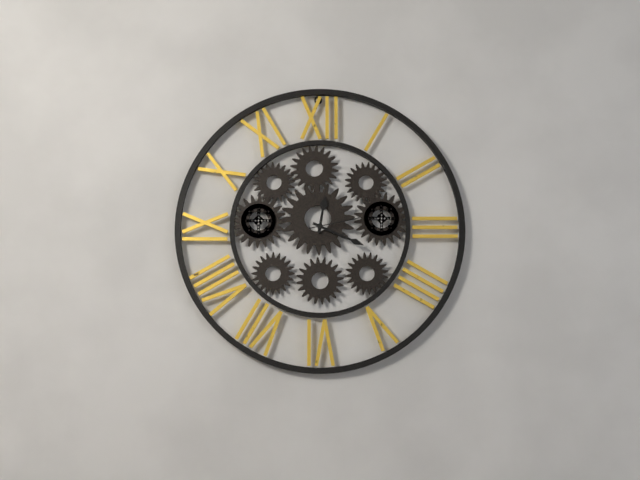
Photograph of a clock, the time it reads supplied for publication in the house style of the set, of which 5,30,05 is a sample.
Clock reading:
12,19,13
